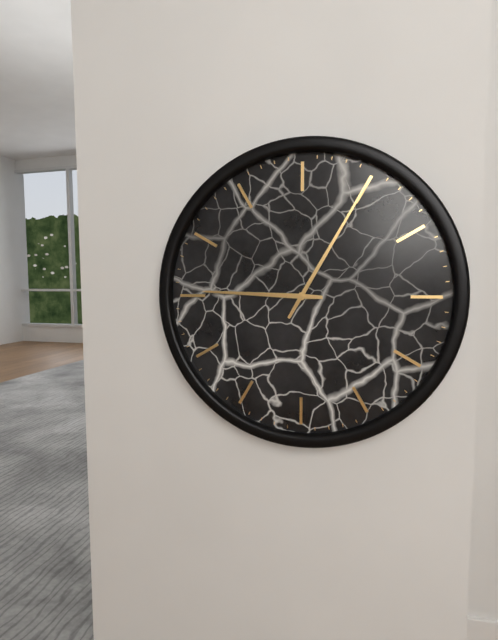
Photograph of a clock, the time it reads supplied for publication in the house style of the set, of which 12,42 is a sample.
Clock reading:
9,05
